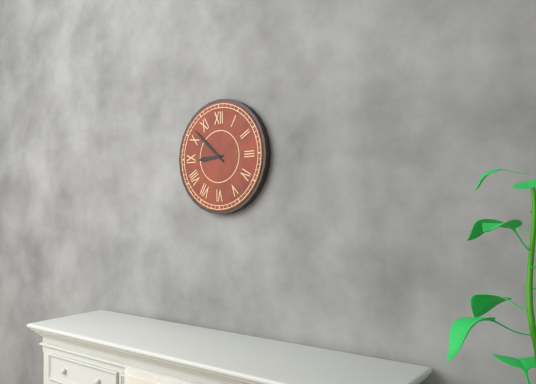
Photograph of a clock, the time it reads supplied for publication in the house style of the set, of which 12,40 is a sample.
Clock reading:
8,52
